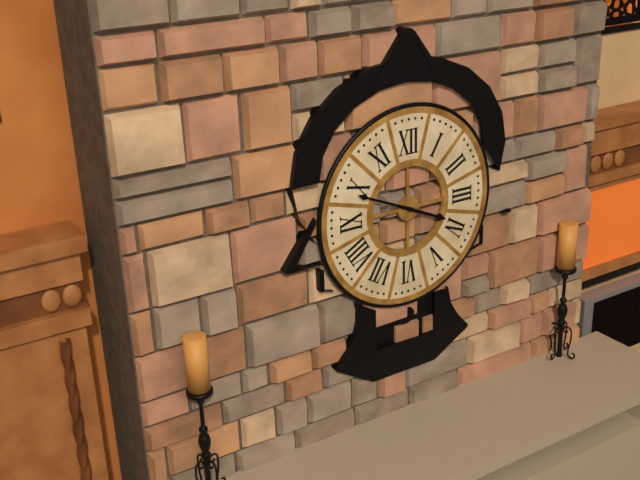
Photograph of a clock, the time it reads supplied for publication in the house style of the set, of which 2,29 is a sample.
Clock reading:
3,49
